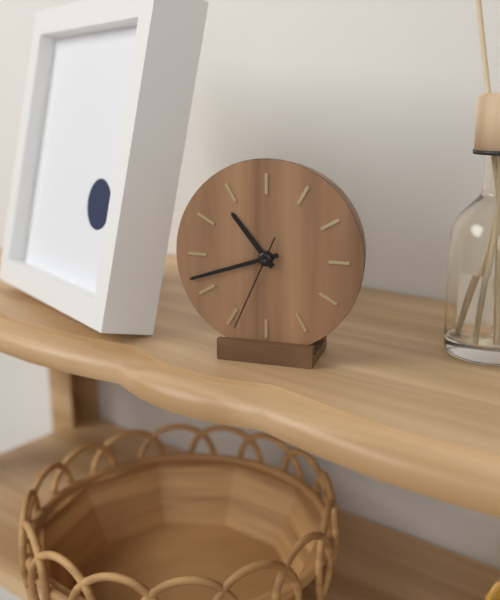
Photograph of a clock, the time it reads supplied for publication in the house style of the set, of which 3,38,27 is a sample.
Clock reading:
10,42,34
